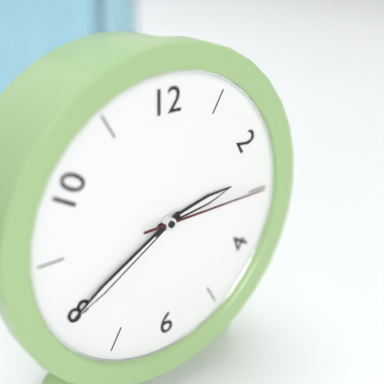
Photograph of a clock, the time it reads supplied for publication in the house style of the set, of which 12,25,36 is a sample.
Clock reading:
2,40,15
